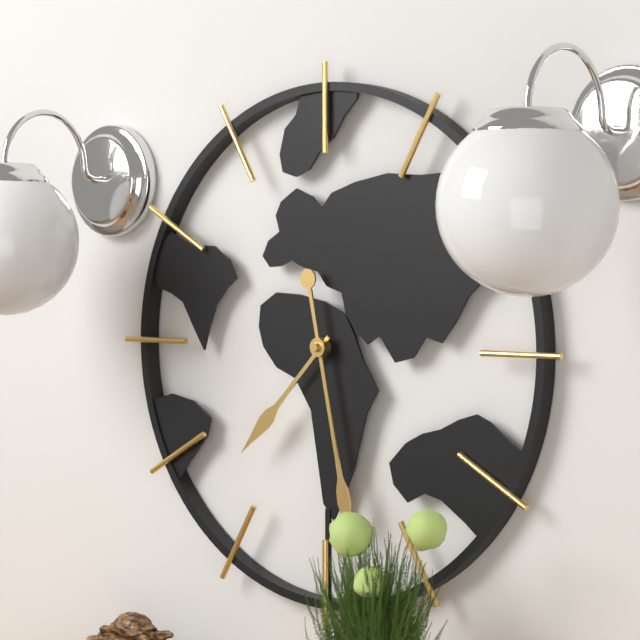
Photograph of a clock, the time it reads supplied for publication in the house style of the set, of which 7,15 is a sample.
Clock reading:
7,28
